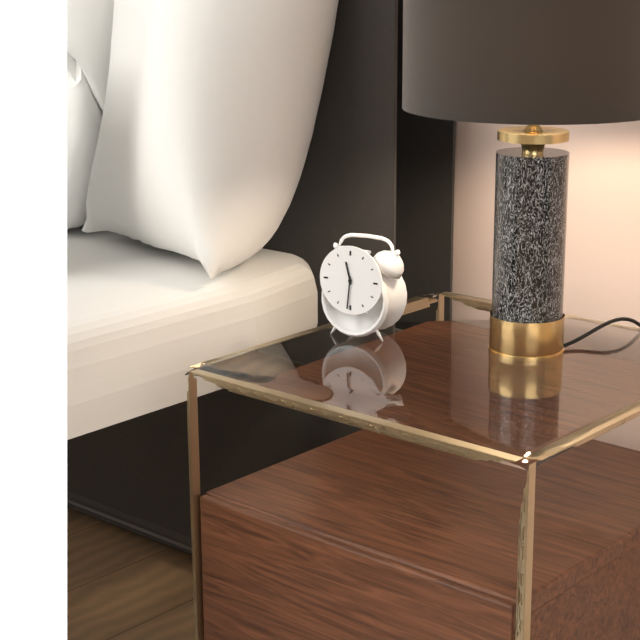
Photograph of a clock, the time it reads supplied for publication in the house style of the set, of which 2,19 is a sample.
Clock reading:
11,31
